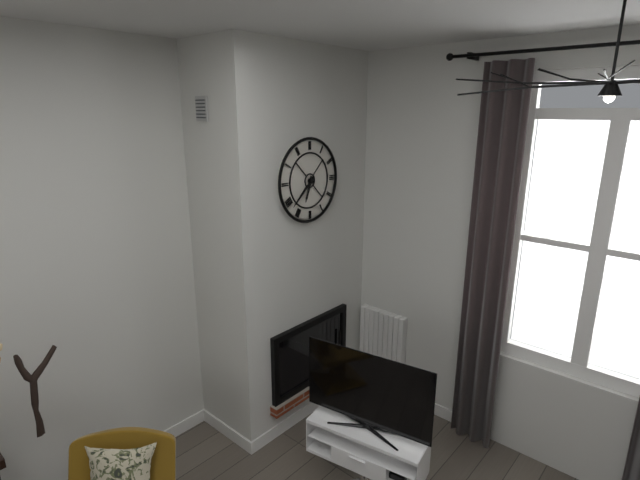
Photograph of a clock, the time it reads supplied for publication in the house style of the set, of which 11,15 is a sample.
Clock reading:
6,38
